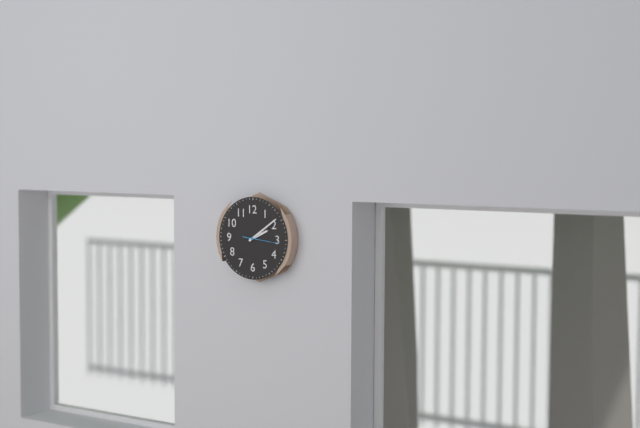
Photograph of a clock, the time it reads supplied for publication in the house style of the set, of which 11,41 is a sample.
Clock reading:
2,09
